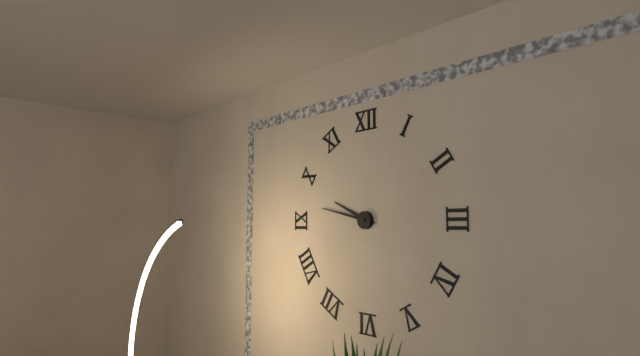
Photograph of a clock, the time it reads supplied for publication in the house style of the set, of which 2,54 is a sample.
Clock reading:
9,47
